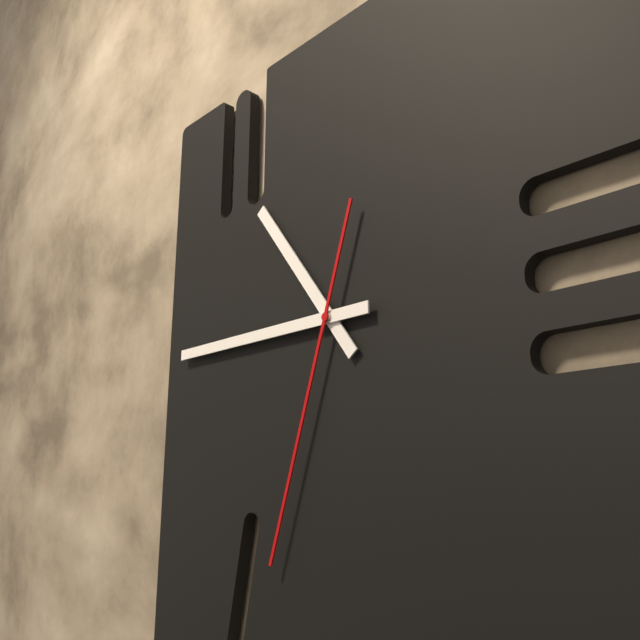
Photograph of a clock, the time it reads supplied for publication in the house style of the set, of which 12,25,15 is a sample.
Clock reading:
10,45,33
